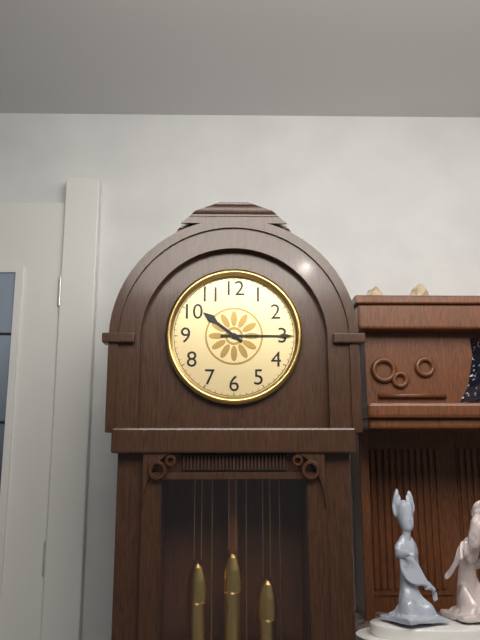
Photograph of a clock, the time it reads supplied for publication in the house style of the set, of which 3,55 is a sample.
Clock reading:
10,15
